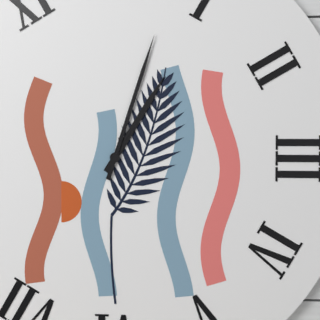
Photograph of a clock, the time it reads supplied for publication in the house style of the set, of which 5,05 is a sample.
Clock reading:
1,03
